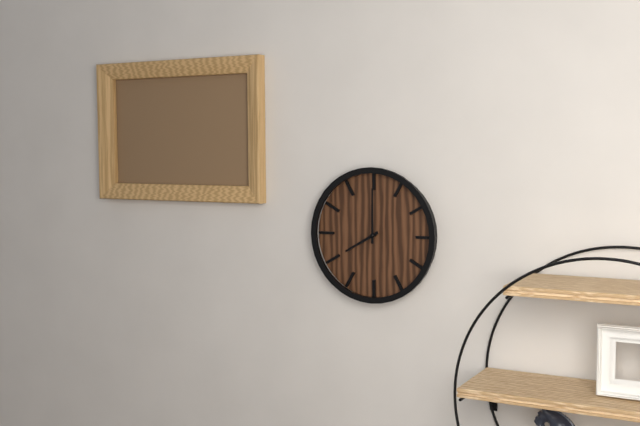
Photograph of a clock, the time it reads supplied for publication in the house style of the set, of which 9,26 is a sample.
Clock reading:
8,00
